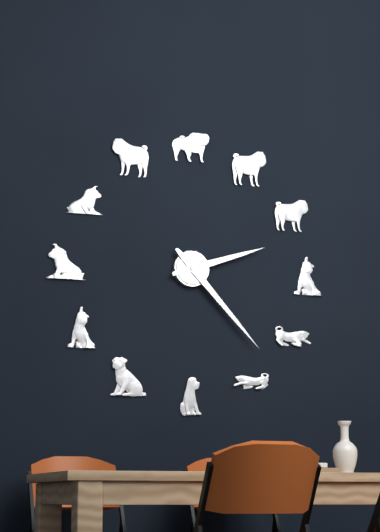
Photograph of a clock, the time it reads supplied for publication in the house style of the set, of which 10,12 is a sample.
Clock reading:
2,23
